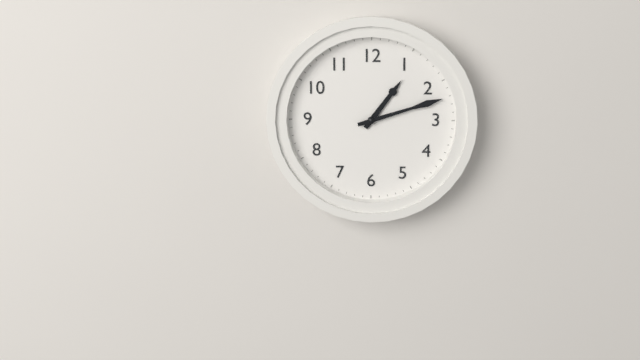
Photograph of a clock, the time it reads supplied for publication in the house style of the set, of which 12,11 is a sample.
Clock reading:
1,12
